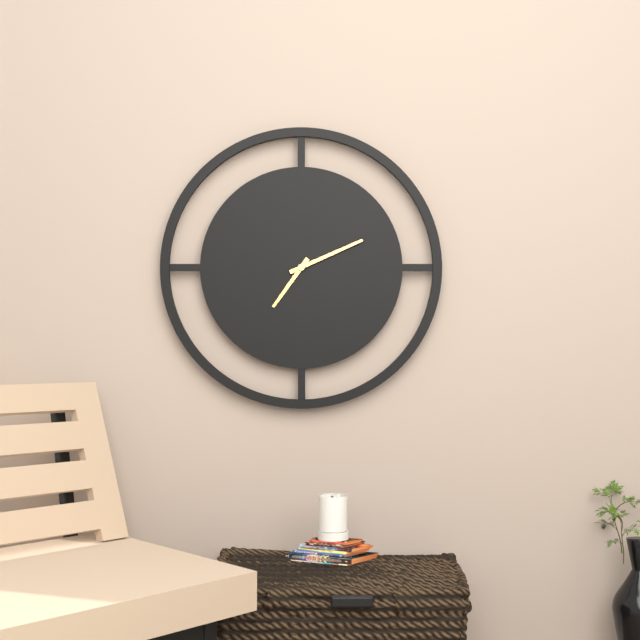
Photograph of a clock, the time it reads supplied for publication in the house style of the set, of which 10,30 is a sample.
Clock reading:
7,11
